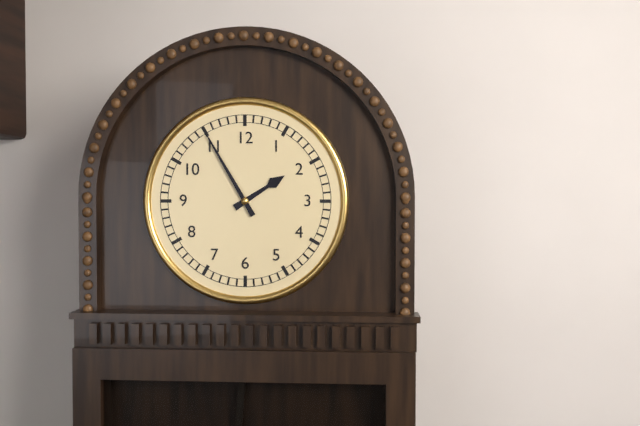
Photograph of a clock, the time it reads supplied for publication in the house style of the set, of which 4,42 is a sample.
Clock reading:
1,55
